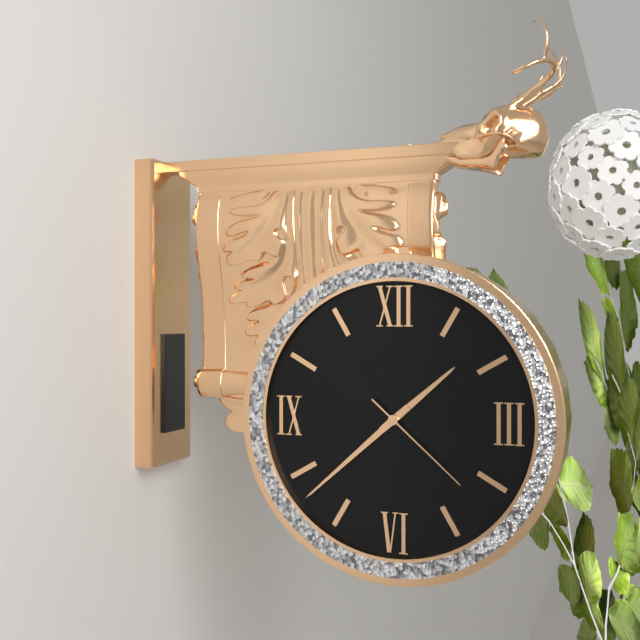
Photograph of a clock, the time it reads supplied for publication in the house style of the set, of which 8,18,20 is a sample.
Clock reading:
1,38,22
